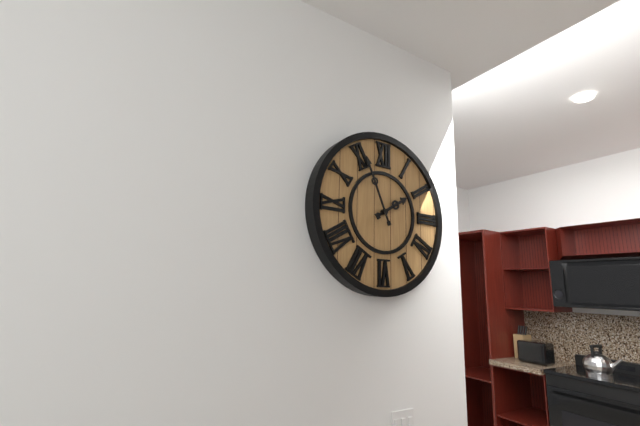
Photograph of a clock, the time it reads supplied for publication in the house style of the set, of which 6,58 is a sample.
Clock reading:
1,56
